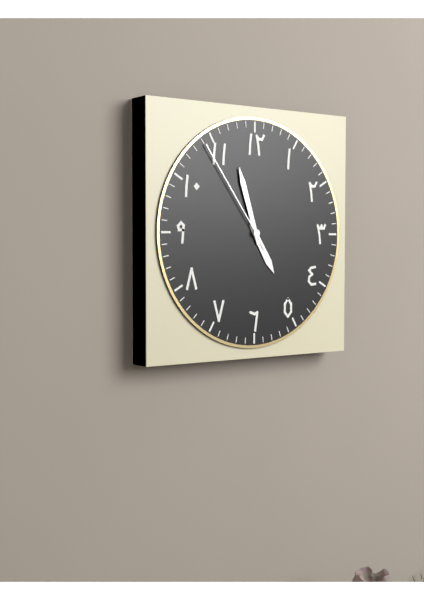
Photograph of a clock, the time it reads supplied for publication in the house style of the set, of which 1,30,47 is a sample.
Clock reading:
4,57,54
